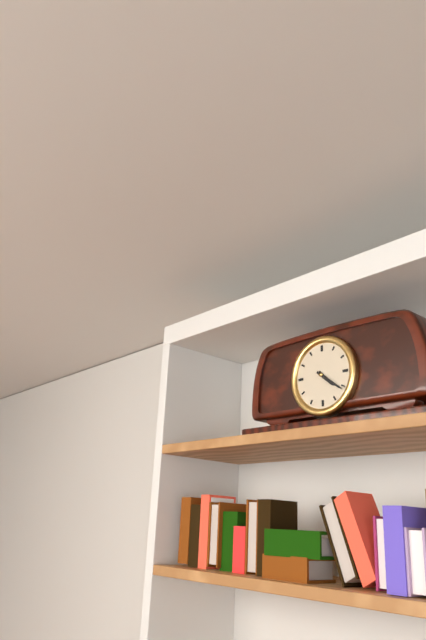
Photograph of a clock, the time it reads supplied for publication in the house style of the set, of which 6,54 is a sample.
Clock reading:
4,21
